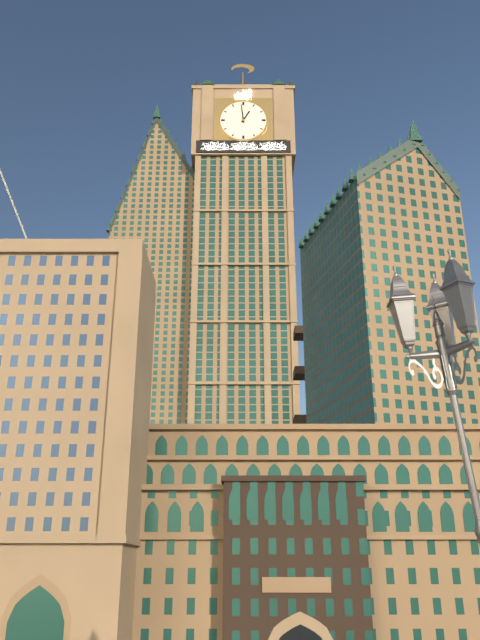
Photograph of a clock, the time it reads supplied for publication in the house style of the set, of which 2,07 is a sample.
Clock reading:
12,59
